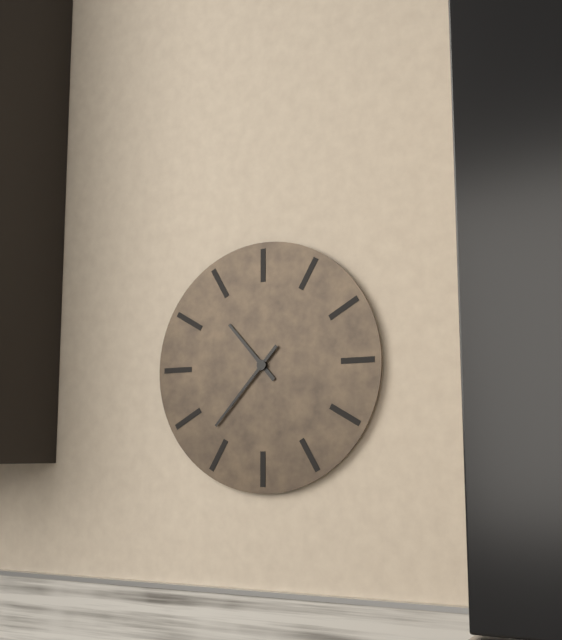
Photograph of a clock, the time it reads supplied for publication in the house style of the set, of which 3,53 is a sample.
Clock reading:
10,37
